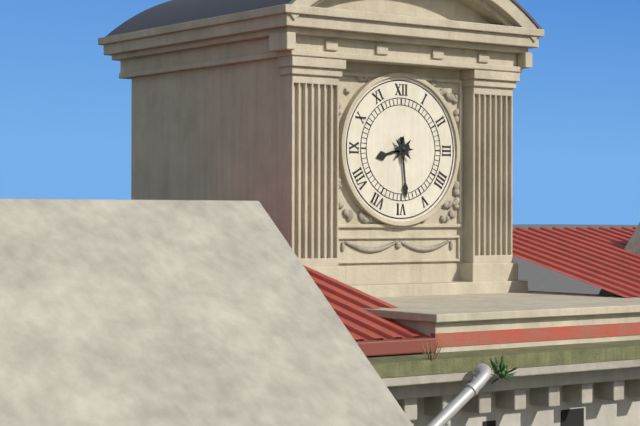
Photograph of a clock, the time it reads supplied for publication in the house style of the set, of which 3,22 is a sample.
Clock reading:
8,29
